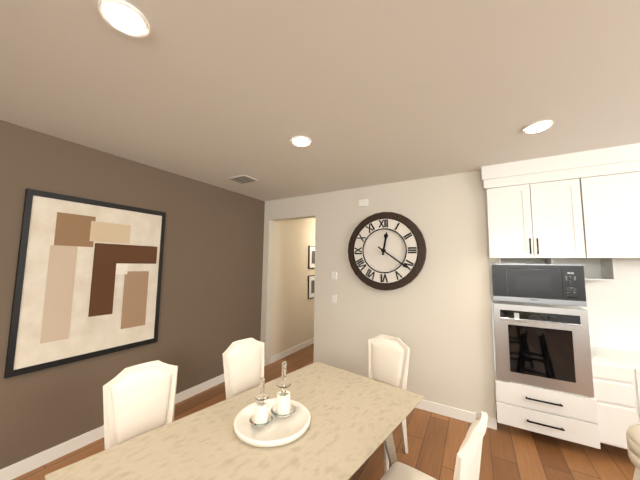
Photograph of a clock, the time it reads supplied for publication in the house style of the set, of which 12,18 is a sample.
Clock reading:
12,21
